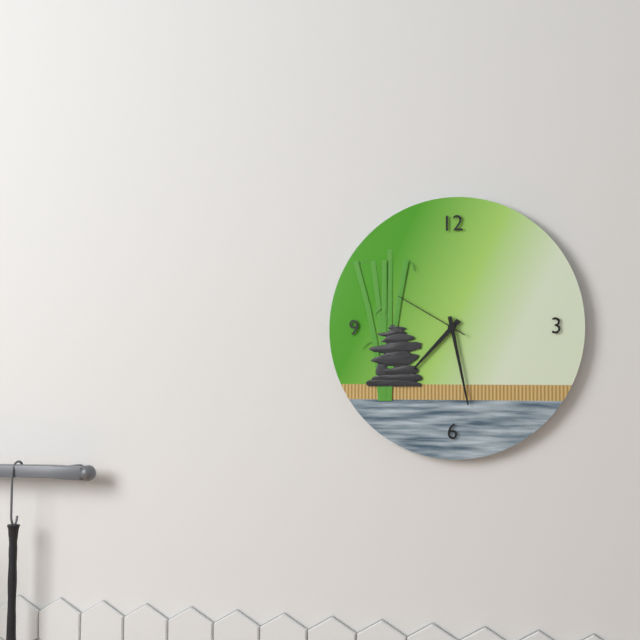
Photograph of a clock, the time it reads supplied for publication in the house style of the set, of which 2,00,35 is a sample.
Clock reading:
7,28,50
